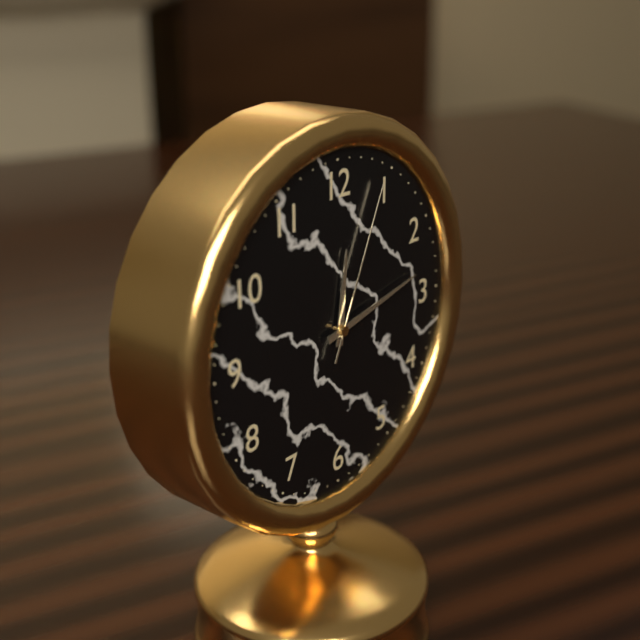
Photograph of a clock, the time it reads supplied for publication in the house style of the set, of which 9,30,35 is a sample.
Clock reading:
12,13,04
